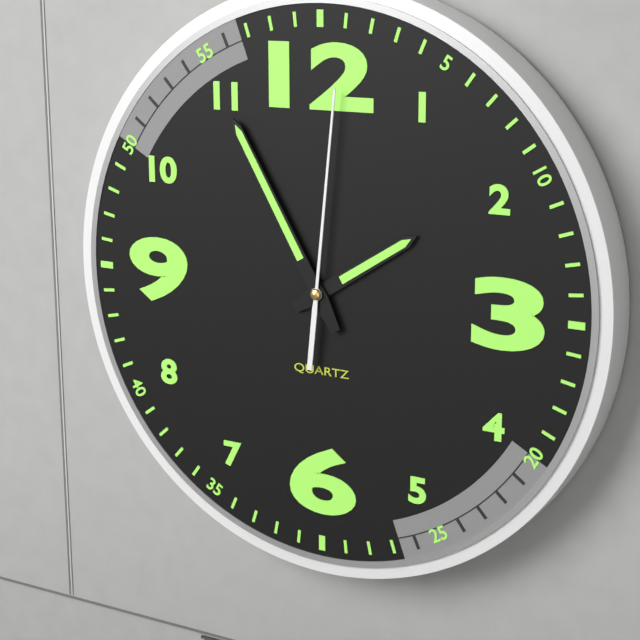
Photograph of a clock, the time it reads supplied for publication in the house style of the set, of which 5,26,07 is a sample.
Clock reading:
1,55,01
